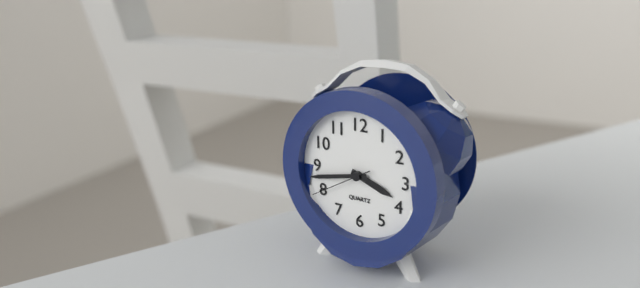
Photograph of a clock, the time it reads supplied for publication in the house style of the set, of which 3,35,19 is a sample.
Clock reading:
3,43,40
